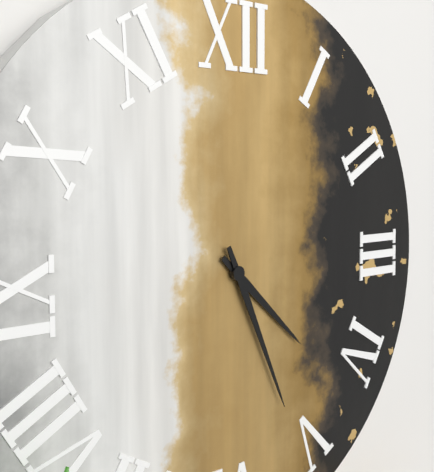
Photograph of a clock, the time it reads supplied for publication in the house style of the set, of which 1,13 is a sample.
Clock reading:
4,26
